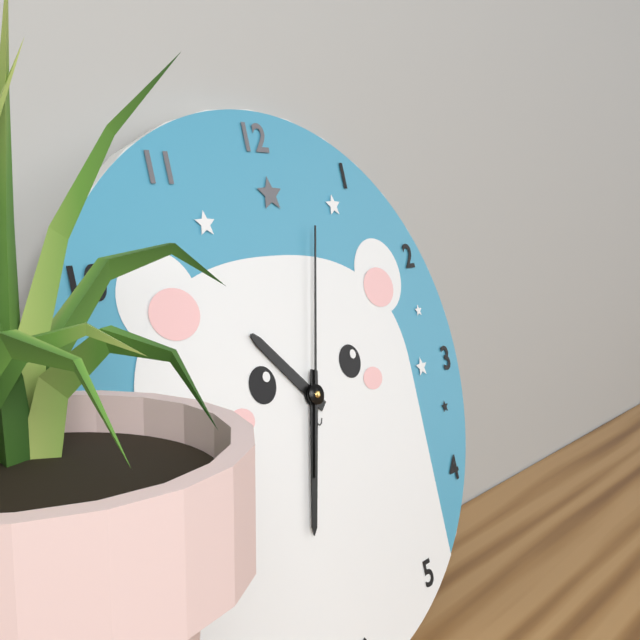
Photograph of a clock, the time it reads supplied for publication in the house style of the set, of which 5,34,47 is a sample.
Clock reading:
10,33,03
